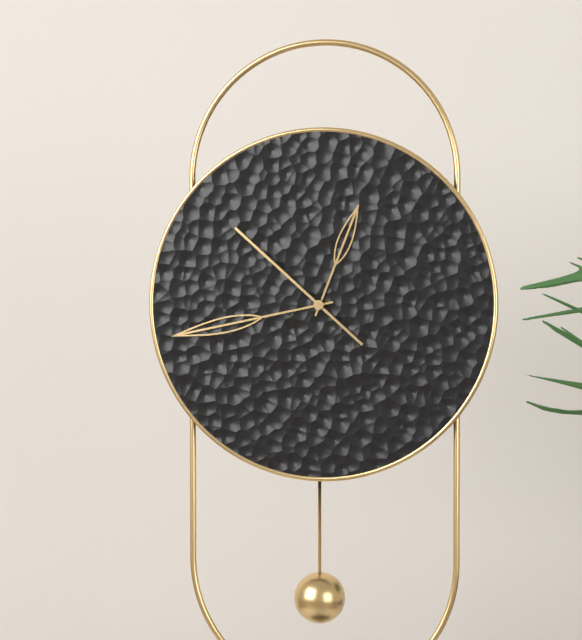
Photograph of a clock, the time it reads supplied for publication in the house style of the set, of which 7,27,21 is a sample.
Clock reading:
12,43,52
